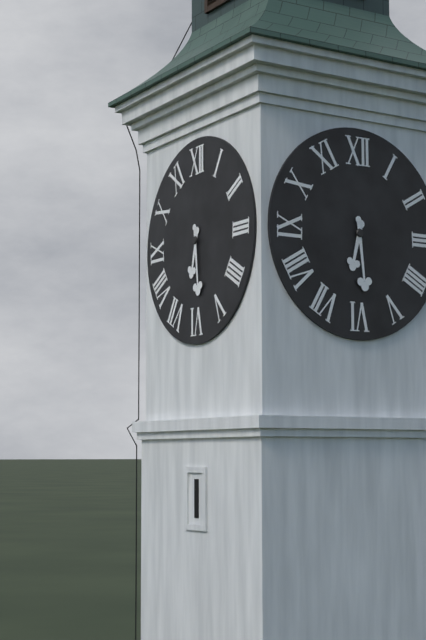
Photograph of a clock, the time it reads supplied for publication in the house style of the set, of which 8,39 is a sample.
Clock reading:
6,29
